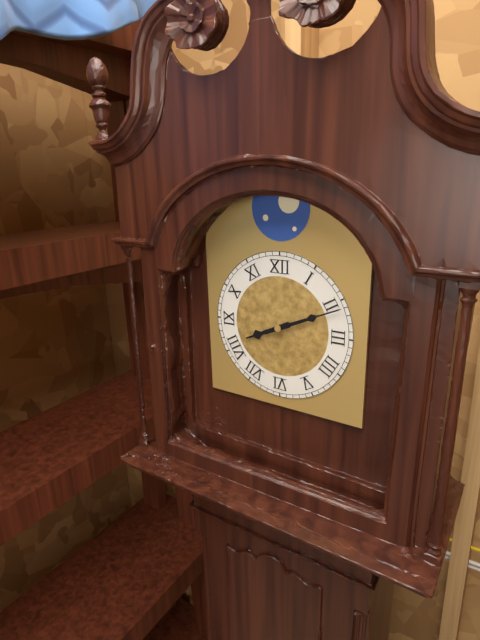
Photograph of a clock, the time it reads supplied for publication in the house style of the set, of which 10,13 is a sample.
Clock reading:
8,11
